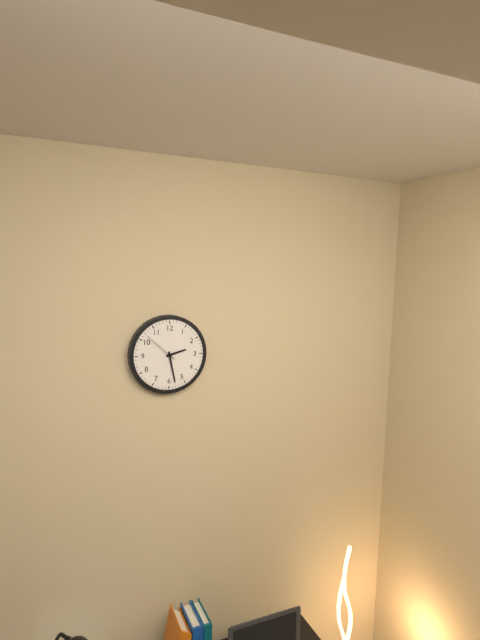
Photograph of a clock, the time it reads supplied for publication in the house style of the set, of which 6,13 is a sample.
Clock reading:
2,28
